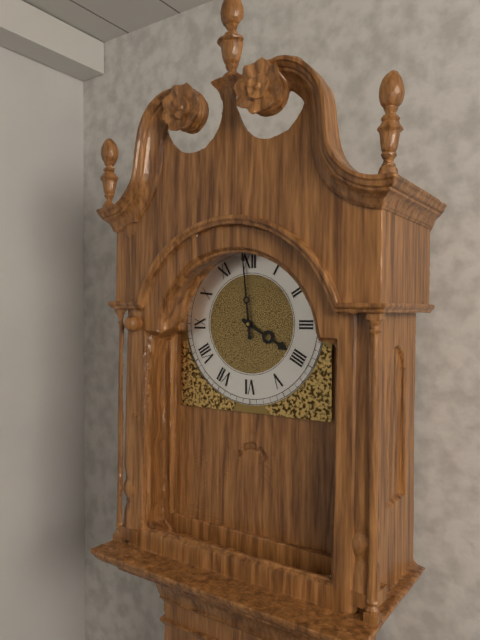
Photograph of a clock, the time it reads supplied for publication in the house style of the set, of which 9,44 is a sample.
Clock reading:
3,59
